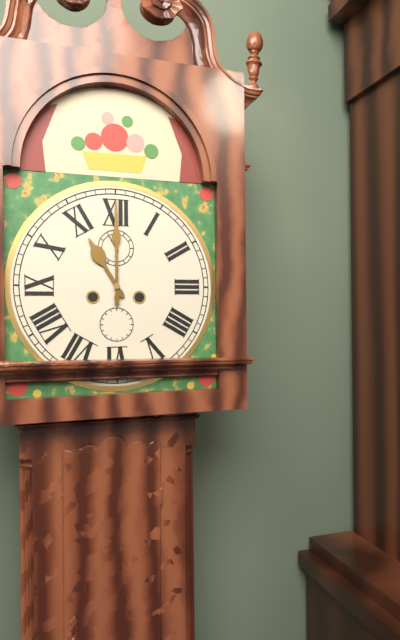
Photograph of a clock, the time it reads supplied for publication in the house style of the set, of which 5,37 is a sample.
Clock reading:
11,00
